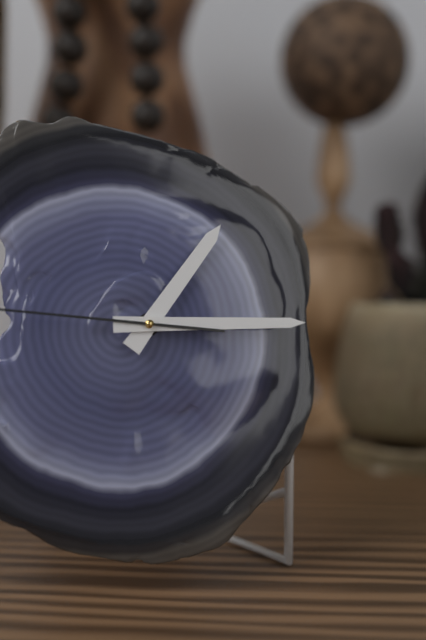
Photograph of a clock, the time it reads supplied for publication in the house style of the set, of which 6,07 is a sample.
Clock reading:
1,15
